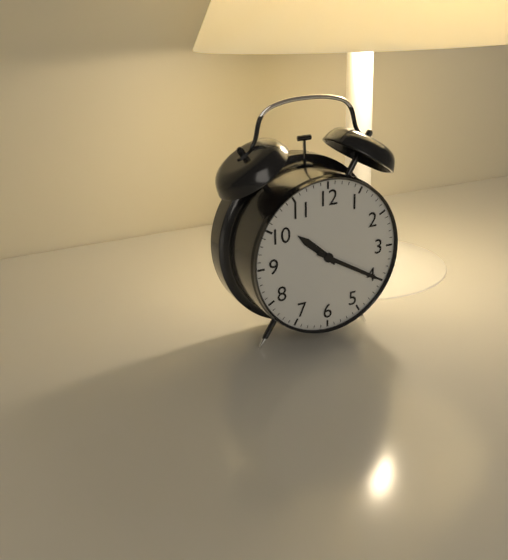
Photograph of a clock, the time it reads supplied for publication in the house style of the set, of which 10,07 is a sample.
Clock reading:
10,20
